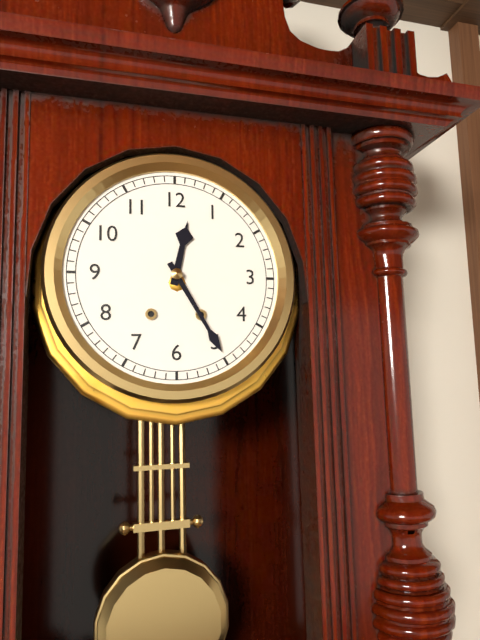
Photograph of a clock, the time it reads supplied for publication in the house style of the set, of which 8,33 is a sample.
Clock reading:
12,25
